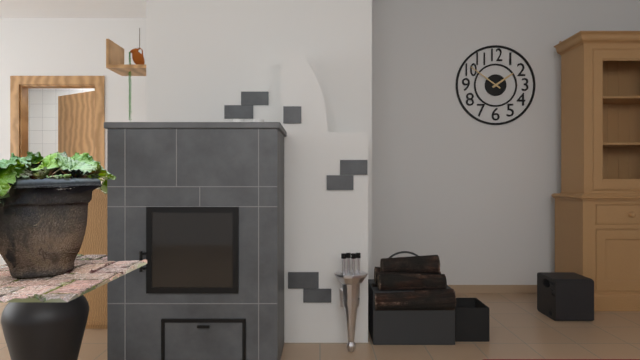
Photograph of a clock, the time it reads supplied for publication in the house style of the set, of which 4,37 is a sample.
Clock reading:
1,51
